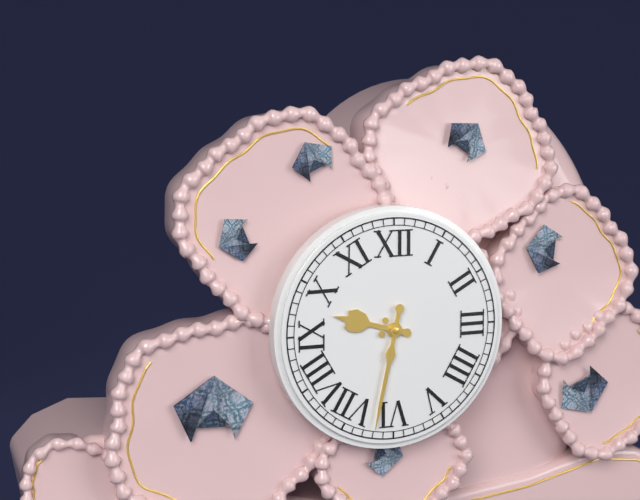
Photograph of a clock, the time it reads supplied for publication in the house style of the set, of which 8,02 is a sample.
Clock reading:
9,32
